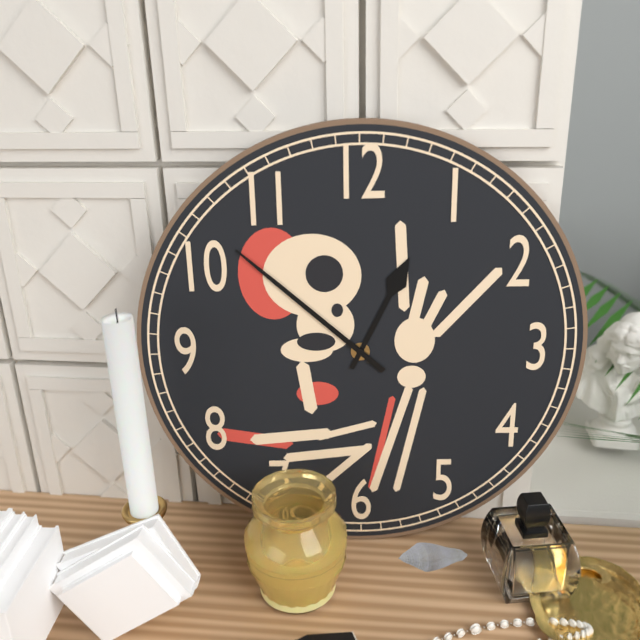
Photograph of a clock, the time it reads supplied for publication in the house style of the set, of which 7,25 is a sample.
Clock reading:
12,52
